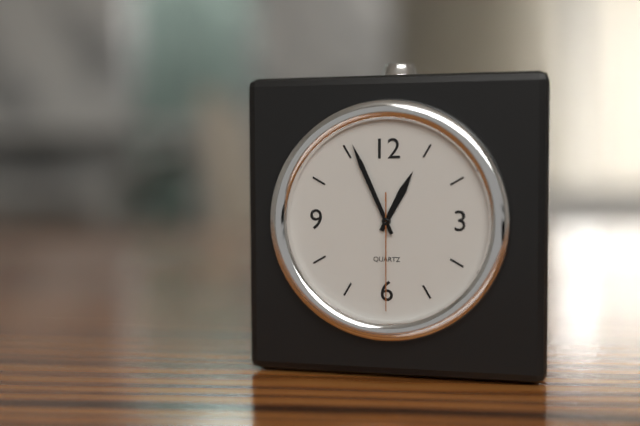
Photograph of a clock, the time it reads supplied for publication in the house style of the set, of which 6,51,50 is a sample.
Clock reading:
12,56,30
